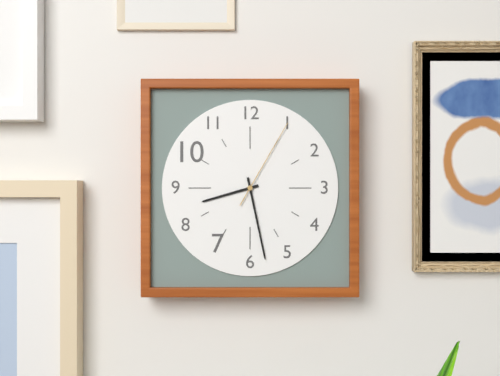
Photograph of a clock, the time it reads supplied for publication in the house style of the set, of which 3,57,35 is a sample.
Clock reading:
8,28,05
